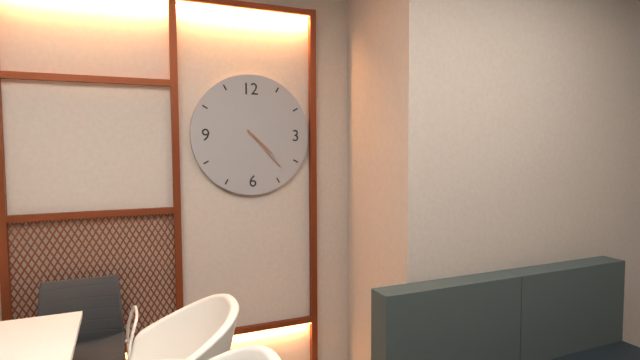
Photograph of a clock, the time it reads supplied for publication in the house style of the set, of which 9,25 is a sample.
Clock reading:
4,23
